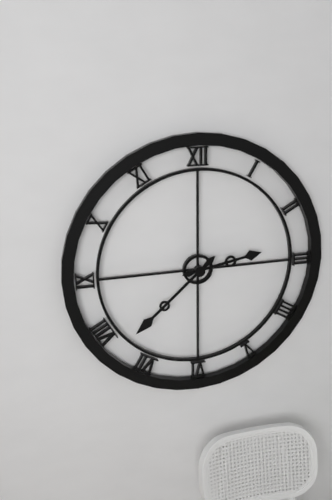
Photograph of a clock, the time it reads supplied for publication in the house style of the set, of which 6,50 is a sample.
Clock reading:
2,38
